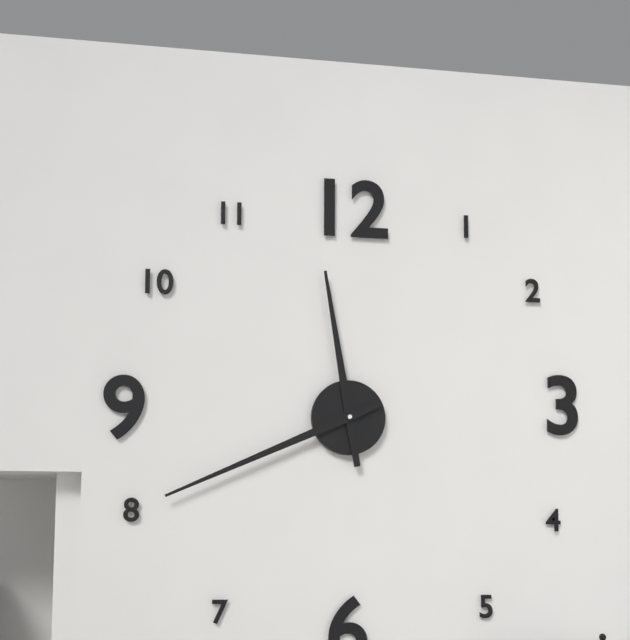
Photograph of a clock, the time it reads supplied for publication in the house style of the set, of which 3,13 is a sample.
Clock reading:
11,41
